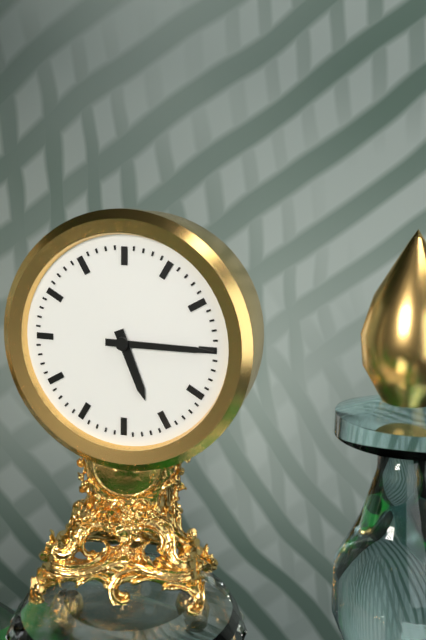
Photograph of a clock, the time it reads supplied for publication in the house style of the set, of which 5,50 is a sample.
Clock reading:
5,15
